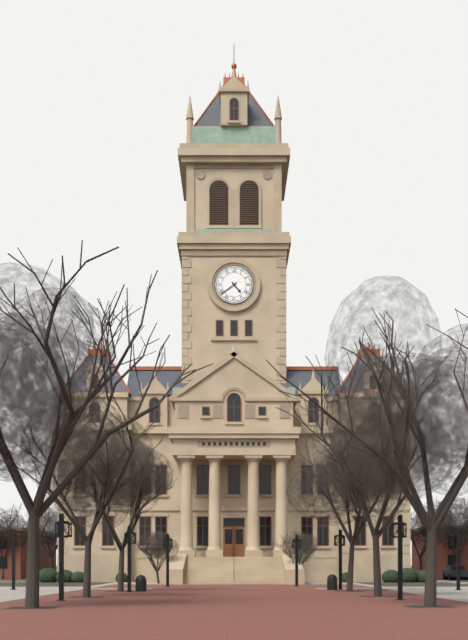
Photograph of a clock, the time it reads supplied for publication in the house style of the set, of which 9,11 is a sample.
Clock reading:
4,39
